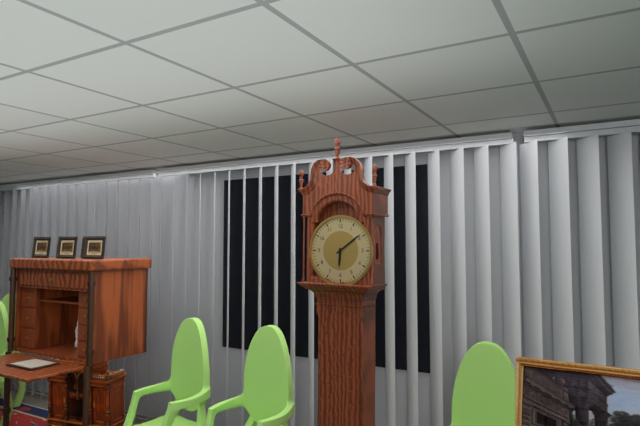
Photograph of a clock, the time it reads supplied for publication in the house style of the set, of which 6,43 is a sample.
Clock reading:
6,09
